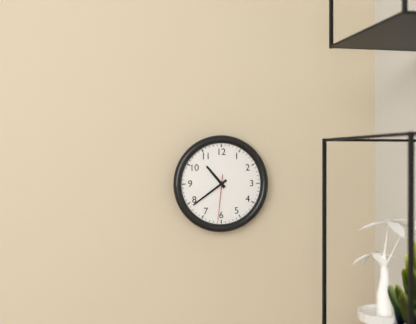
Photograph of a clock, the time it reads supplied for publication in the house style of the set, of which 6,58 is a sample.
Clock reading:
10,39
